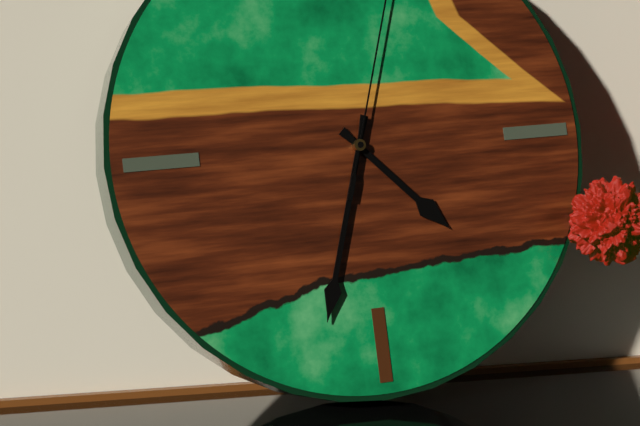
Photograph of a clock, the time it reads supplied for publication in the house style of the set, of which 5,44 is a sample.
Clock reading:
4,33
